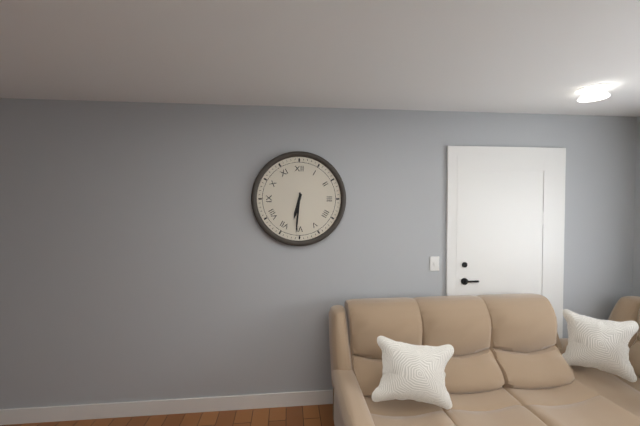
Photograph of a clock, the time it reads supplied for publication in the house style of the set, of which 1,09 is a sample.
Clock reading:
6,31
